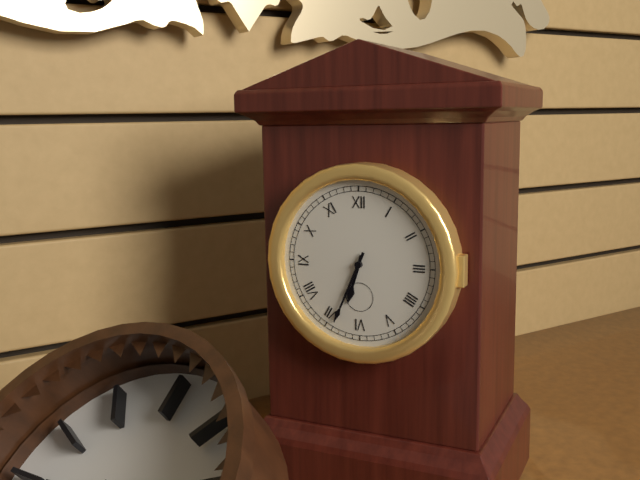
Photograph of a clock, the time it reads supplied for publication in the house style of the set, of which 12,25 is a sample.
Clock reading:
6,34
